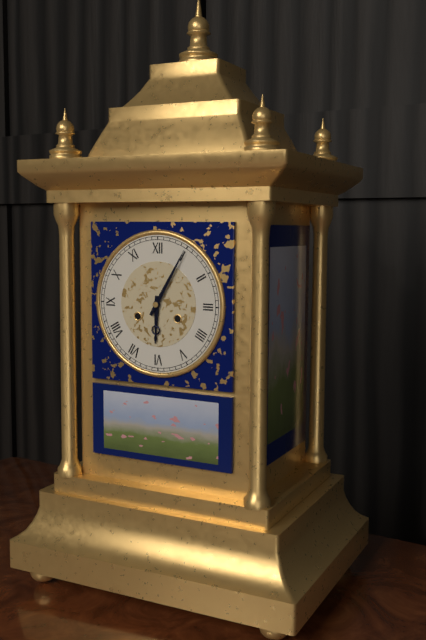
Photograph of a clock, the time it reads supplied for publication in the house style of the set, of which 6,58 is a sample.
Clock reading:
6,05
